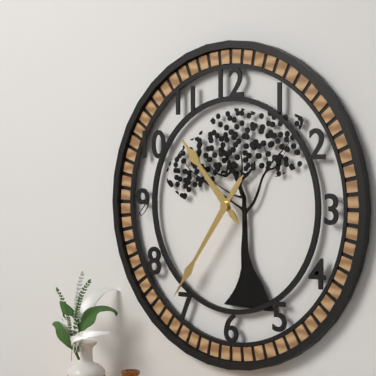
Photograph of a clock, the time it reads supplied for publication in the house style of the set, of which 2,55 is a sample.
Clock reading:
10,36
